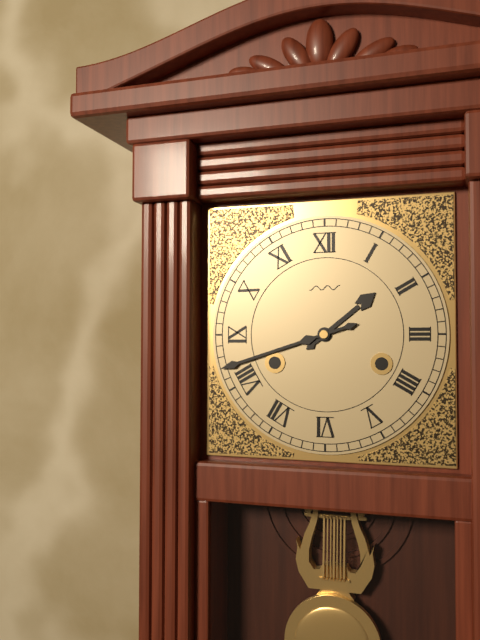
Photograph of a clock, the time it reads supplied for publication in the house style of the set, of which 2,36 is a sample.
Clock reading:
1,42
